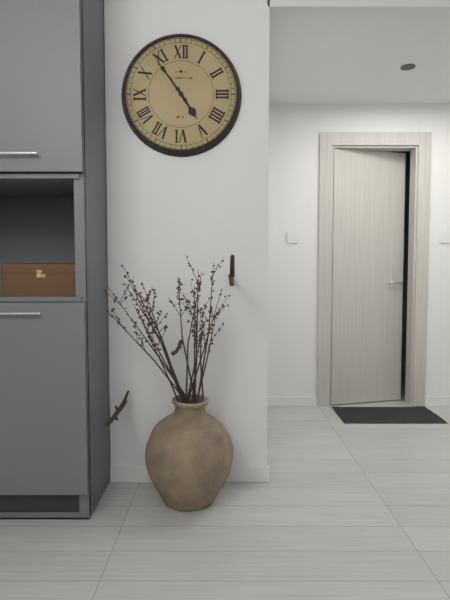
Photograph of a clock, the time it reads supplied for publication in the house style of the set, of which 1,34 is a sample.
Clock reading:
4,54
